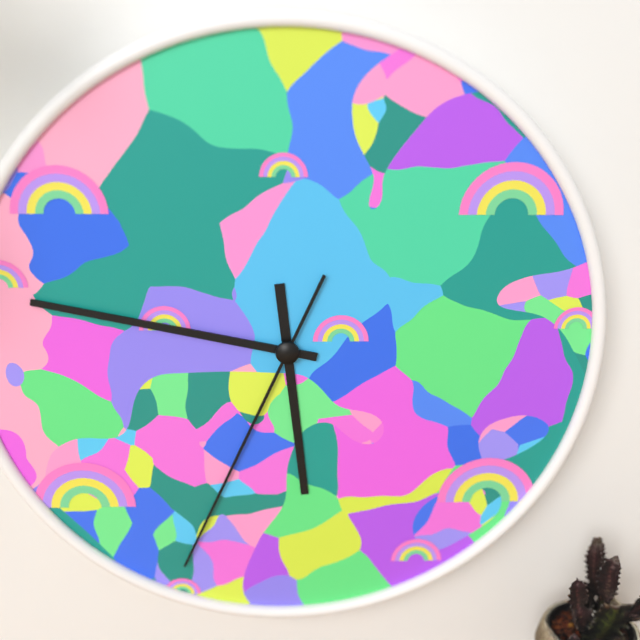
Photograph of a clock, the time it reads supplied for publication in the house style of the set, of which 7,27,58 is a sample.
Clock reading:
5,47,34
